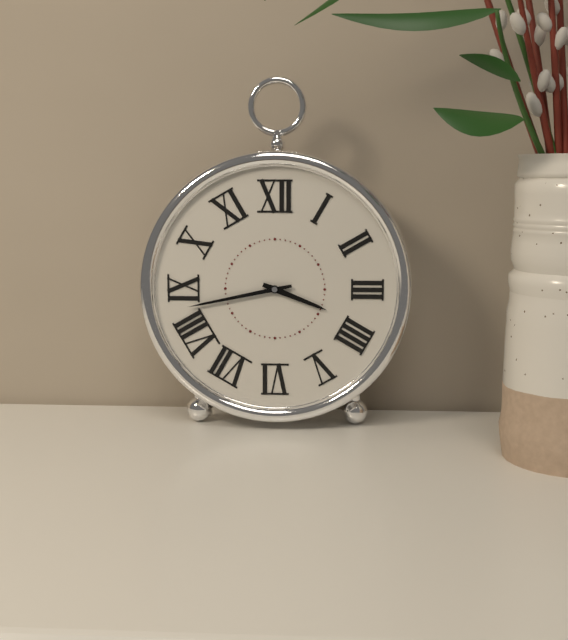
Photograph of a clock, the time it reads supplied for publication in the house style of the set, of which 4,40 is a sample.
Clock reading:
3,43
